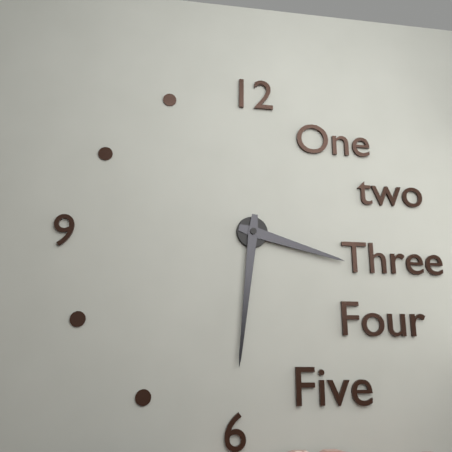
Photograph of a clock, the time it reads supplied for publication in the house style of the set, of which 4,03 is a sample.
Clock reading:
3,31
